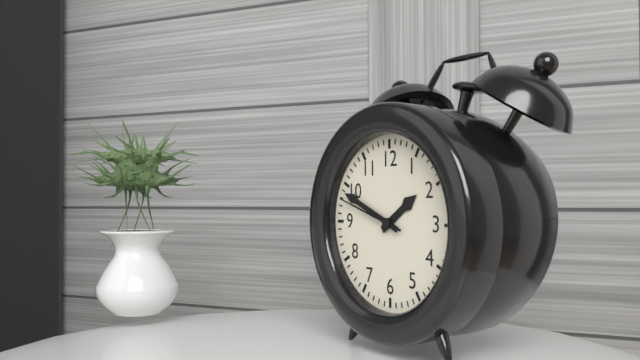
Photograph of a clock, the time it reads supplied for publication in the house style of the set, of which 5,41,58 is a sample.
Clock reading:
1,49,48
